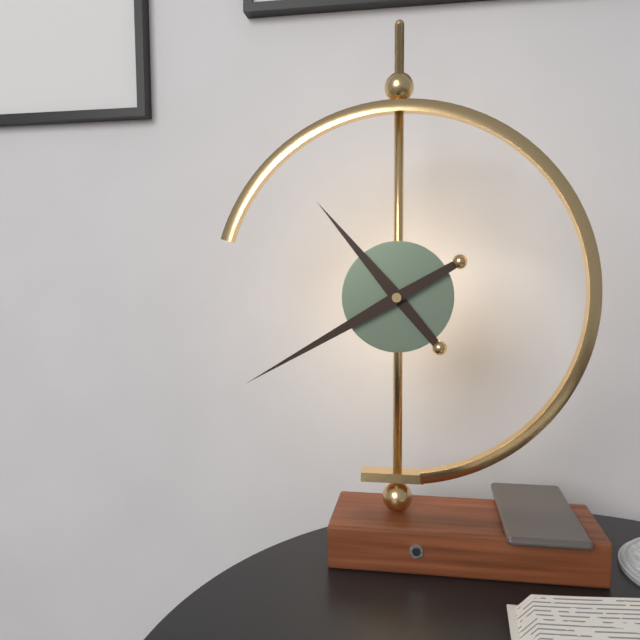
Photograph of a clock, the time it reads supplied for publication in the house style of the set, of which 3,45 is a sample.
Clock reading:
10,40
